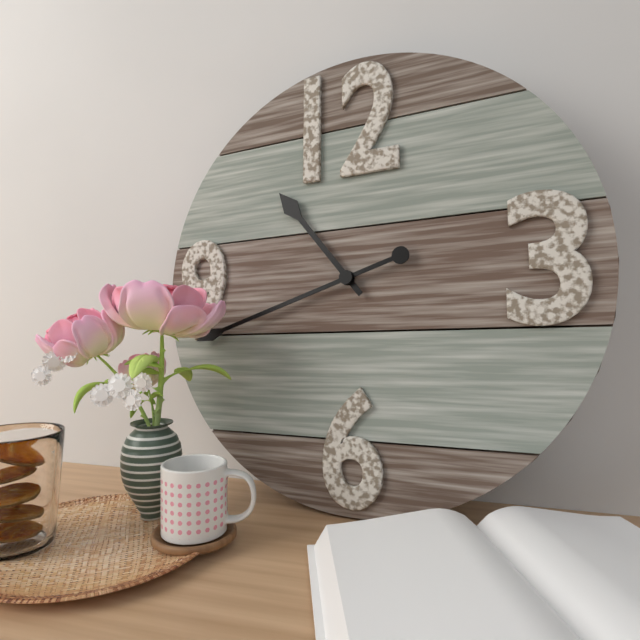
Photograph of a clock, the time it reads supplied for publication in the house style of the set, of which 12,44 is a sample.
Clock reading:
10,42
